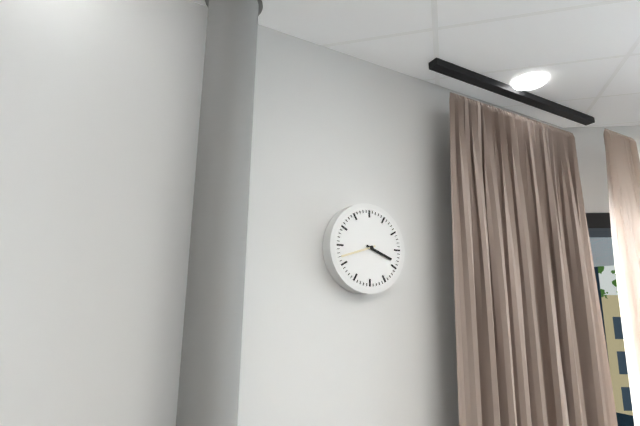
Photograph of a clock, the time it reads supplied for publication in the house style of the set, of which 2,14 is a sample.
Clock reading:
3,42
